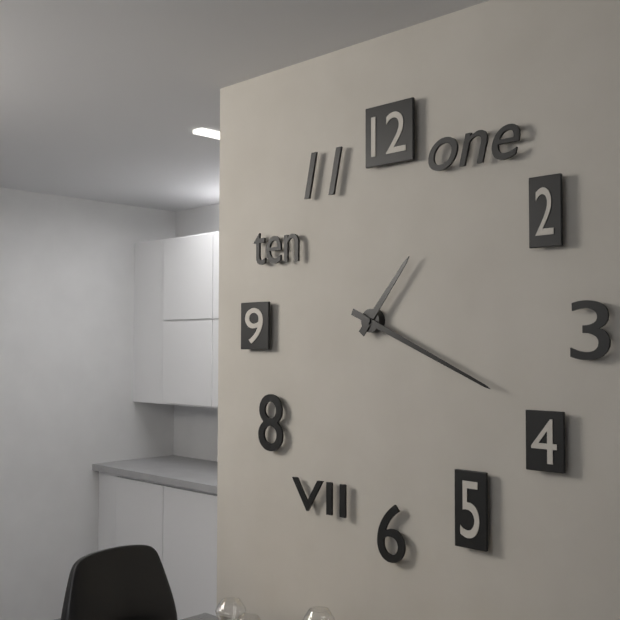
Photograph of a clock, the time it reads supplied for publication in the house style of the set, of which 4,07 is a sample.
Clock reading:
1,19
